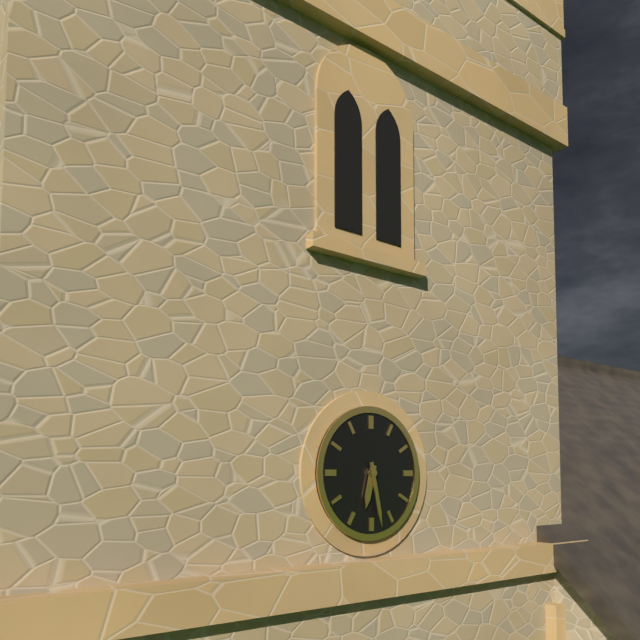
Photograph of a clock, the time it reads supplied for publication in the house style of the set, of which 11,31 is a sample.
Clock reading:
6,28
